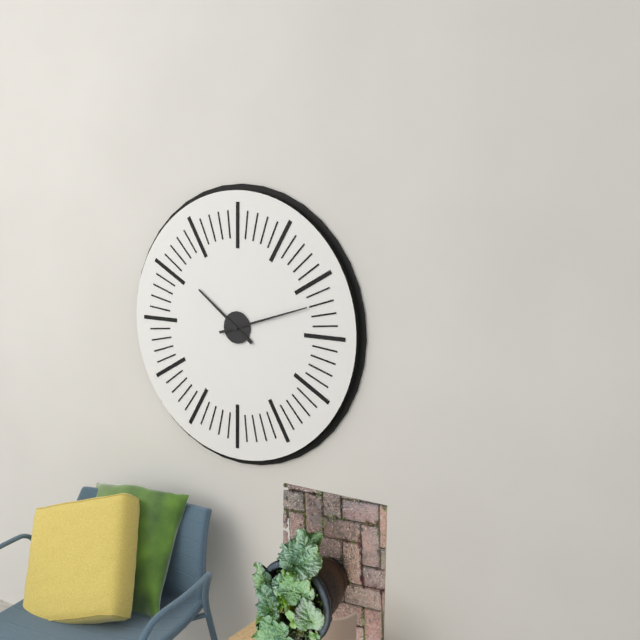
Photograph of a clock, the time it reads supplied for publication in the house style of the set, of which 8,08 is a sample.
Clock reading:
10,12
